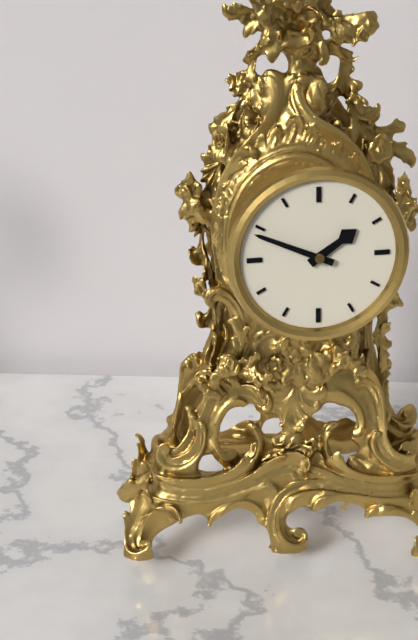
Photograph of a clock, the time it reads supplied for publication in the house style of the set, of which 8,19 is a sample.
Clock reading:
1,49
